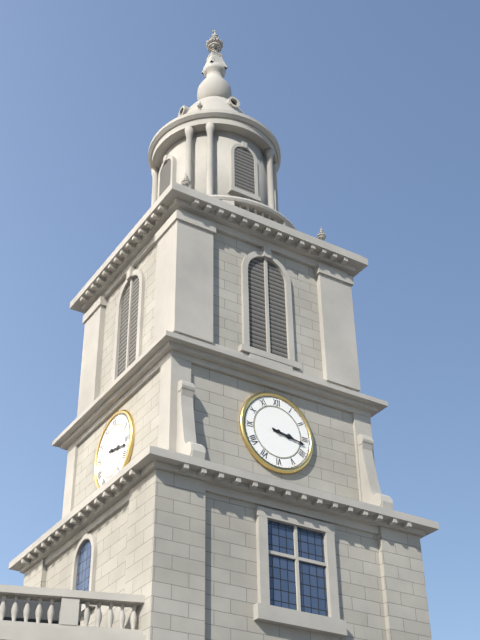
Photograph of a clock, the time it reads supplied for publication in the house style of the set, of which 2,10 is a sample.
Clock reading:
3,17
